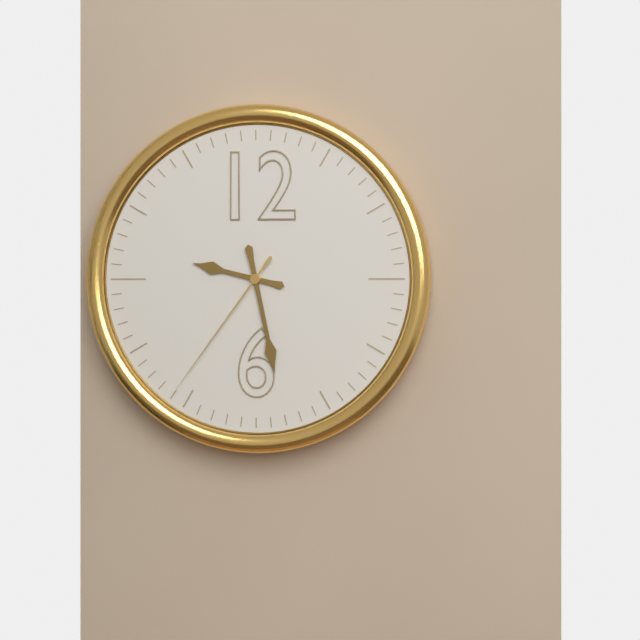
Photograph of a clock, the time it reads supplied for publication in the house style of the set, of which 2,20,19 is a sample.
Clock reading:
9,28,36
